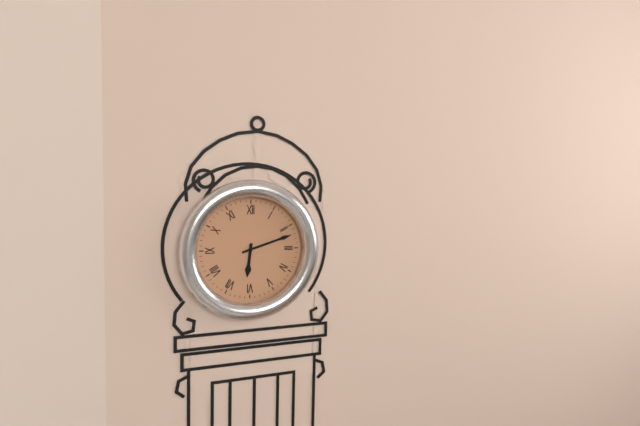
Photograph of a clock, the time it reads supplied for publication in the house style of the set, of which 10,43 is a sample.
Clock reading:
6,12
